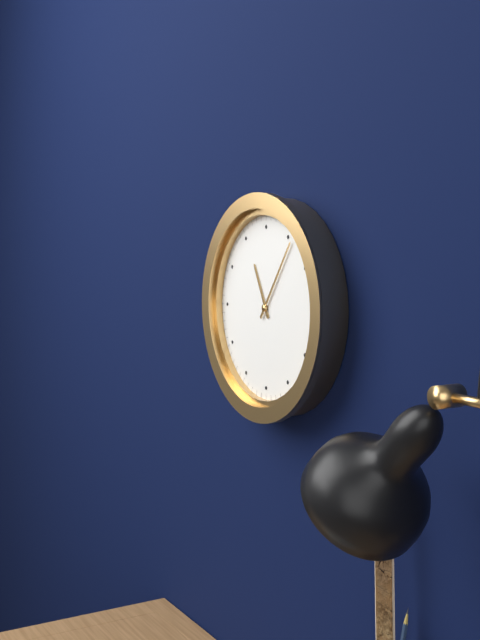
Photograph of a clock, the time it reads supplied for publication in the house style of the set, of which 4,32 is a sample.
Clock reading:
11,06
